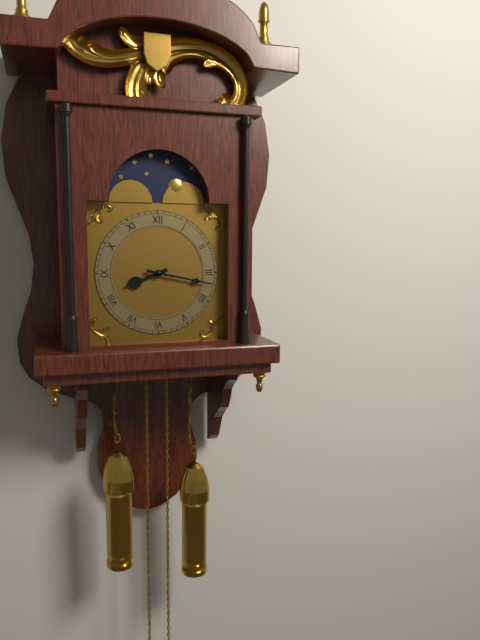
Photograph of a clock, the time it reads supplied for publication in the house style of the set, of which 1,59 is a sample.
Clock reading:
8,17
